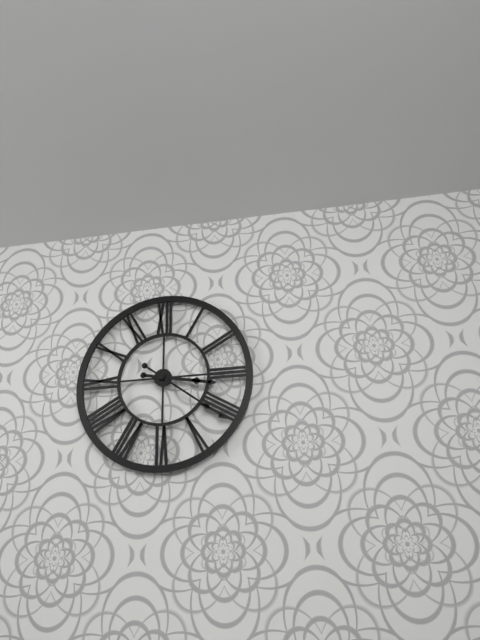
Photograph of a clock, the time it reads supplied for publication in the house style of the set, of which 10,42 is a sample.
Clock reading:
3,21
